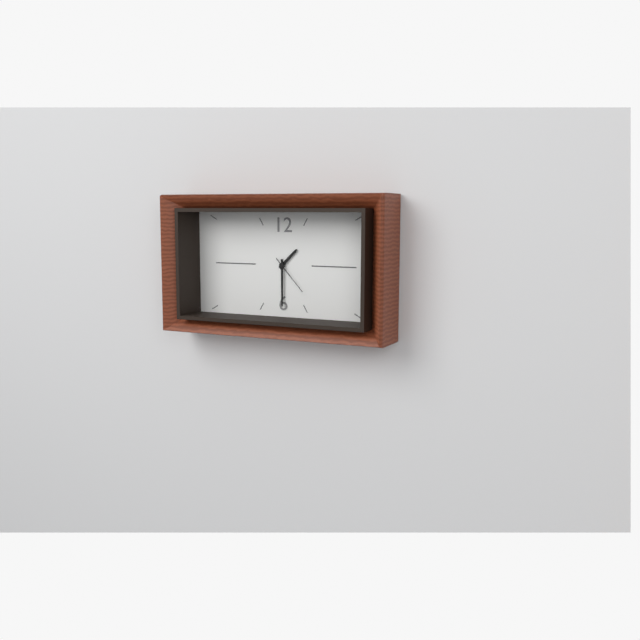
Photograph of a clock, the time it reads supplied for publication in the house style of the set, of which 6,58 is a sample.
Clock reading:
1,30
